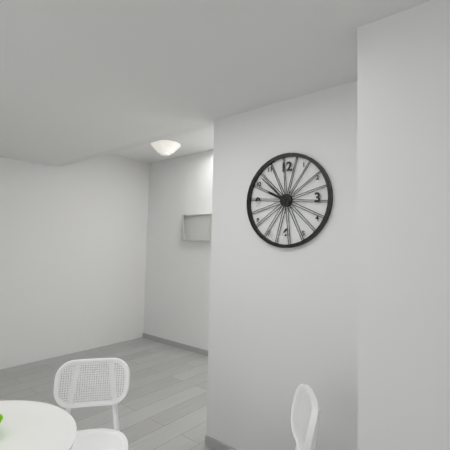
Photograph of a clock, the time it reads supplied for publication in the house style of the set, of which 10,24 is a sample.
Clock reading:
9,52
